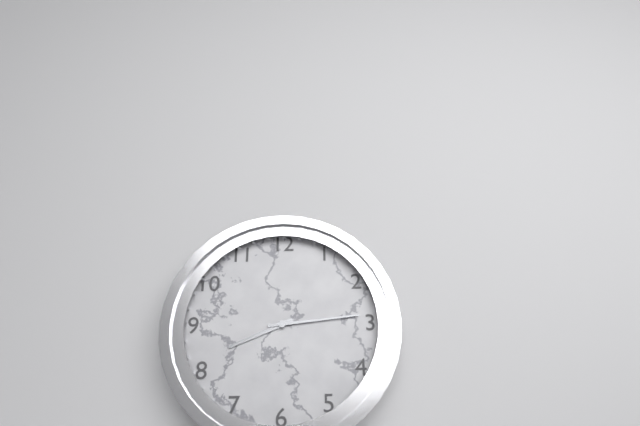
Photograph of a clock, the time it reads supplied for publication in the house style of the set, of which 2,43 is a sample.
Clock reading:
8,14
